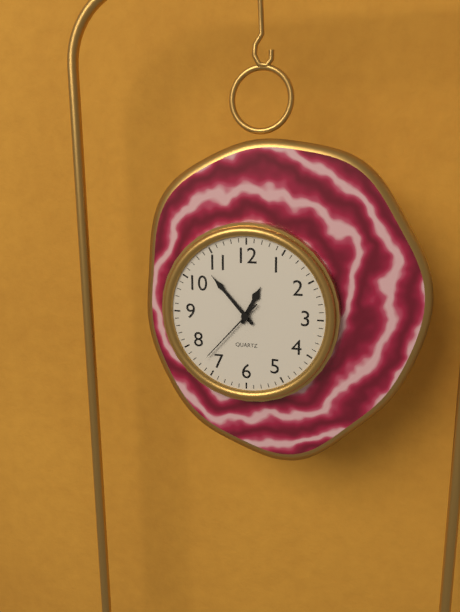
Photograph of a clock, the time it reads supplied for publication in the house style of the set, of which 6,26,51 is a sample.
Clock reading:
12,53,37
